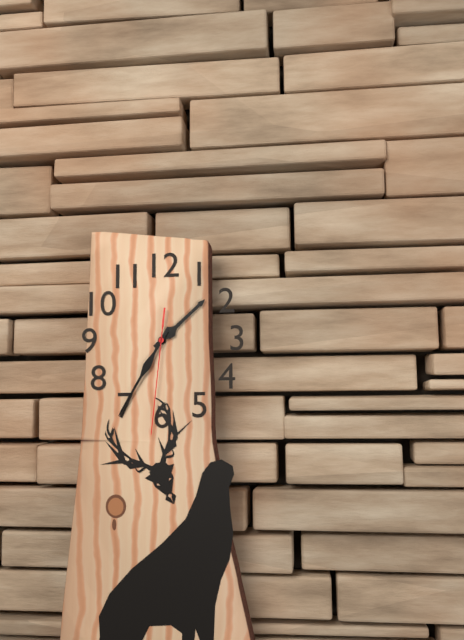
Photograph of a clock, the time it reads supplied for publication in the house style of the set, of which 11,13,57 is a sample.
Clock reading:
1,35,31
